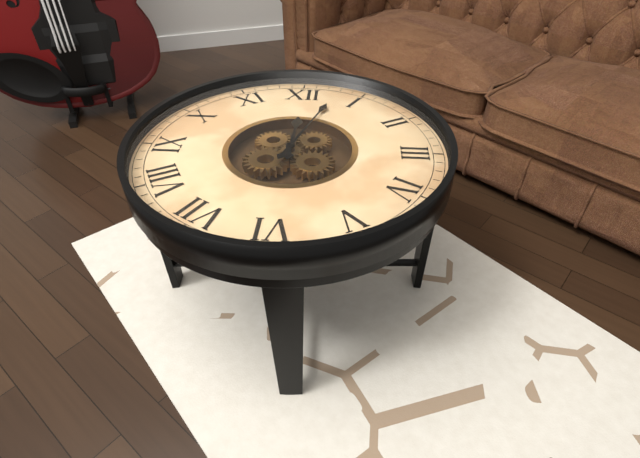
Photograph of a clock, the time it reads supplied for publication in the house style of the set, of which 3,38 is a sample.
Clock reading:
12,03
